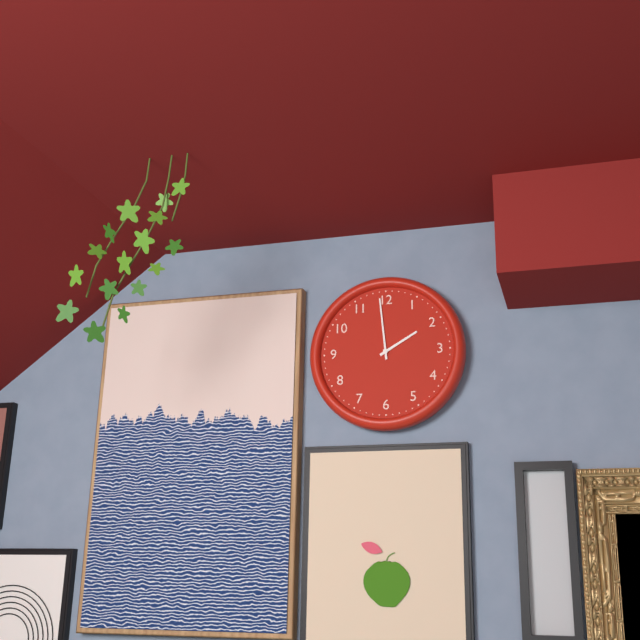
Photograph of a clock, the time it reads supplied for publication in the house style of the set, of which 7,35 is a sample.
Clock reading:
1,59
